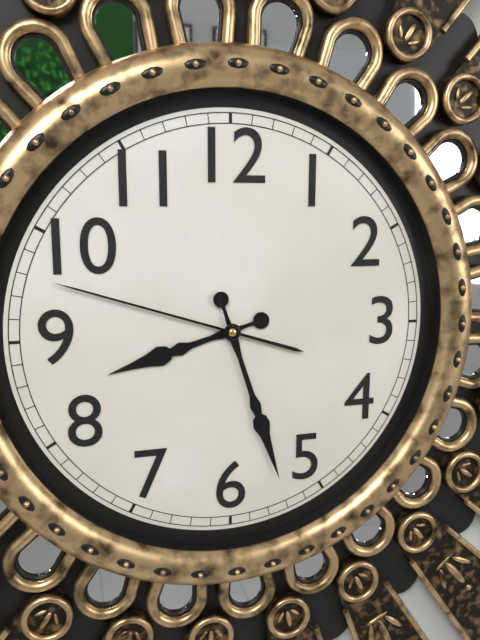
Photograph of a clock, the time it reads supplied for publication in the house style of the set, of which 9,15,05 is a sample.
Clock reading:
8,27,48
